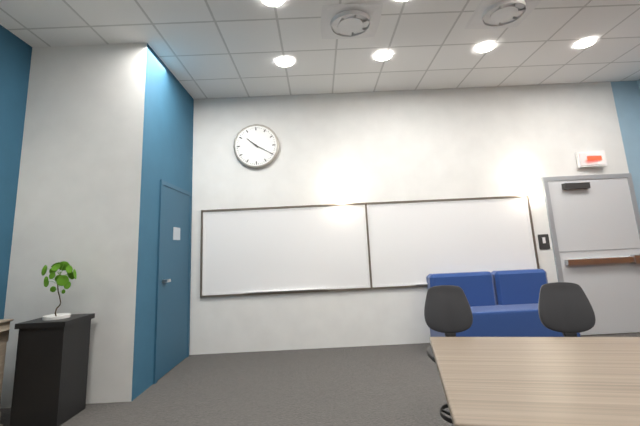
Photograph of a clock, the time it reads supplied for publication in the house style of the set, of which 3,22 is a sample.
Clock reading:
10,20
